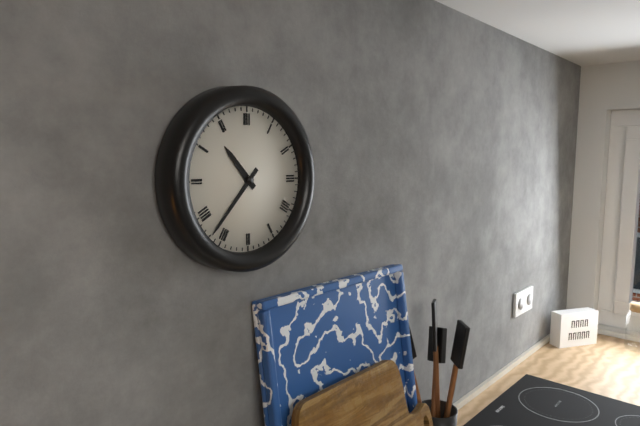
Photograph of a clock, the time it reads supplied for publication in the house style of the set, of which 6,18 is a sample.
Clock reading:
10,37
